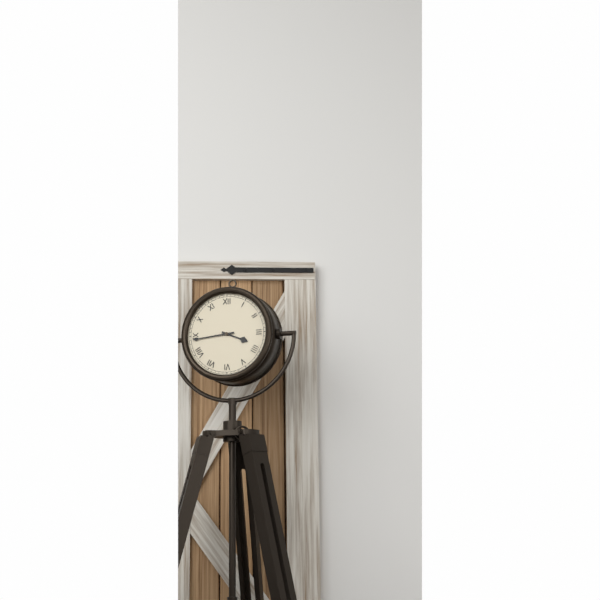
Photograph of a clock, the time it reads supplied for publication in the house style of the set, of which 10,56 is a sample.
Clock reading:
3,44
